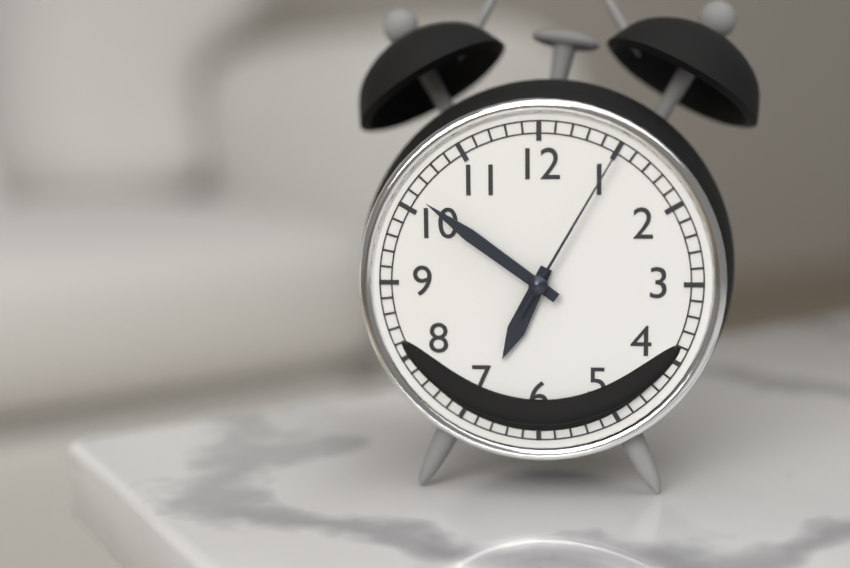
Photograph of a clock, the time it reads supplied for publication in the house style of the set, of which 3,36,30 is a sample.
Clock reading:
6,51,05
